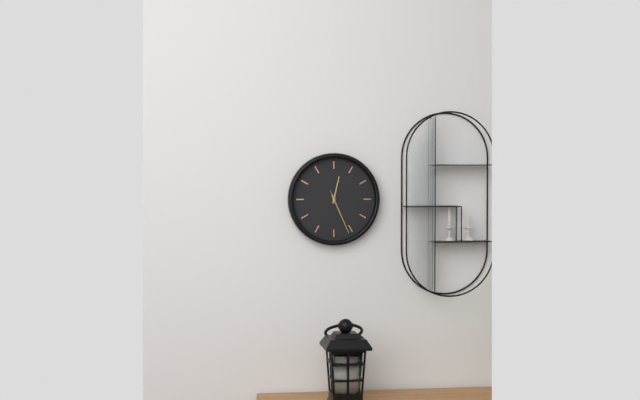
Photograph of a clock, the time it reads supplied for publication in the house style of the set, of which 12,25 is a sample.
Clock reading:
12,26
